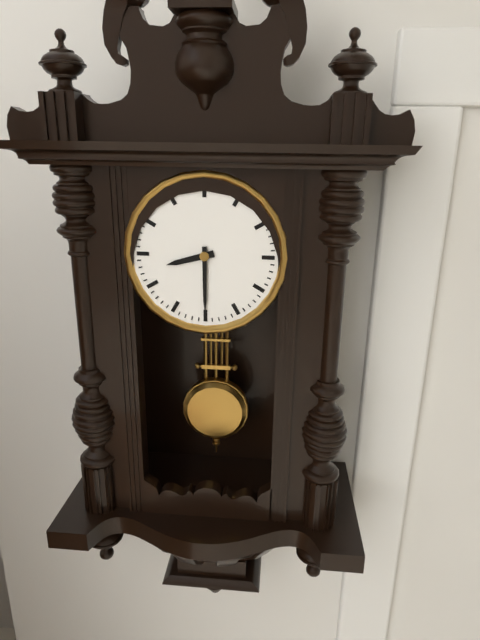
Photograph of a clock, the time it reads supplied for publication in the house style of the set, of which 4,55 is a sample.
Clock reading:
8,30
